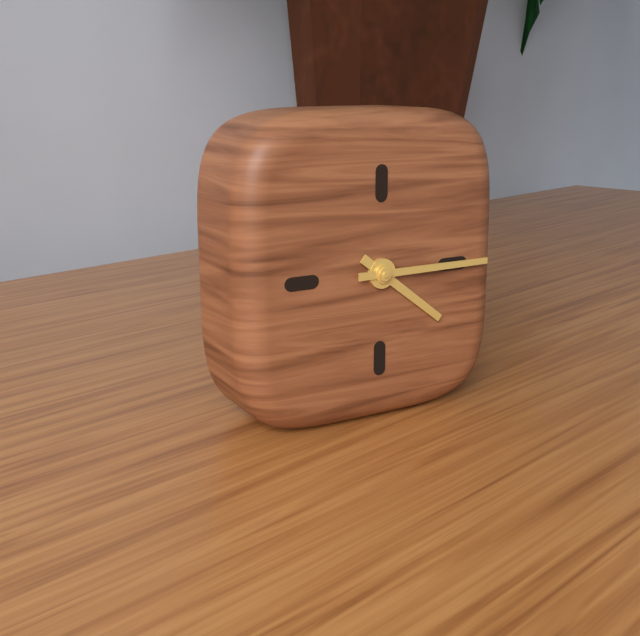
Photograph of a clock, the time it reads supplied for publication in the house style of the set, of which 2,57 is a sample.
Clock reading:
4,15
